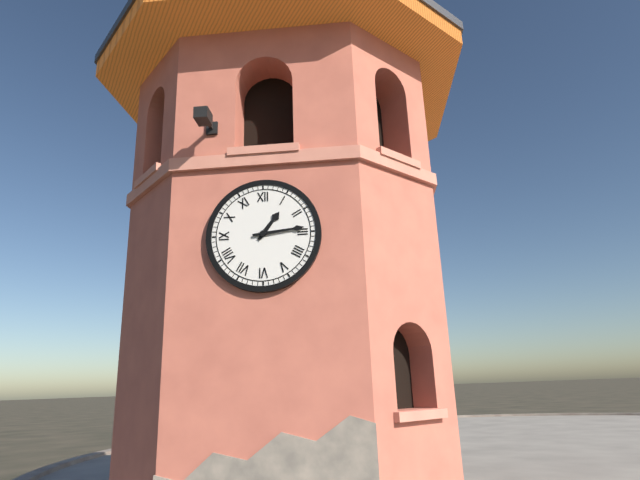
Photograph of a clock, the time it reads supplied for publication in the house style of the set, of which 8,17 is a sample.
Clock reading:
1,14
